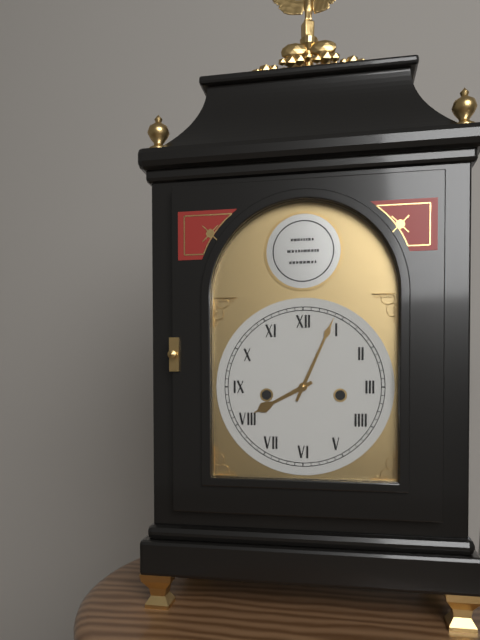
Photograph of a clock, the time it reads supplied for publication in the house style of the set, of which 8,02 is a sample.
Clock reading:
8,04
